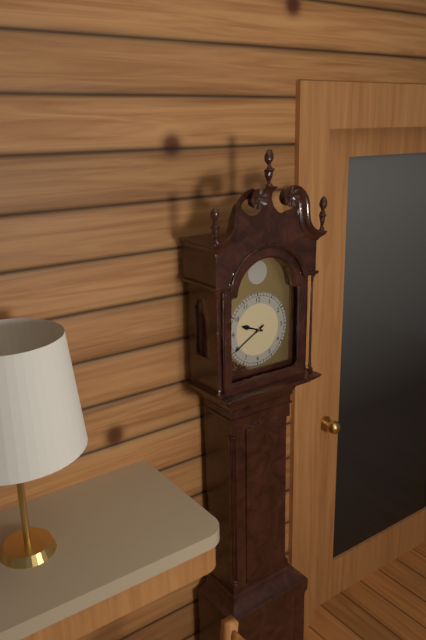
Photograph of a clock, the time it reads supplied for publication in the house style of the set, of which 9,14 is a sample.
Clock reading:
9,40
